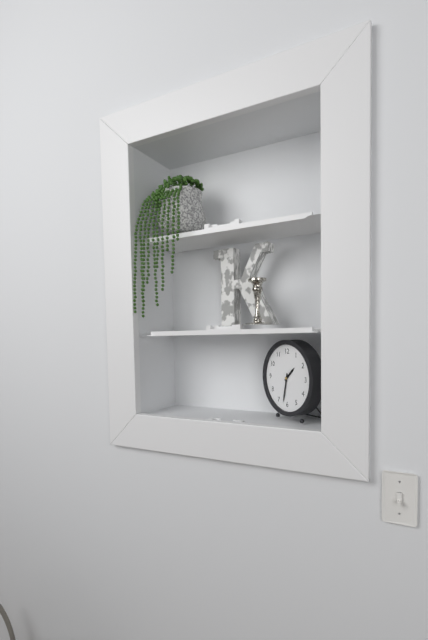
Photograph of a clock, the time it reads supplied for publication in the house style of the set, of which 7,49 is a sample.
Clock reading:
1,32
